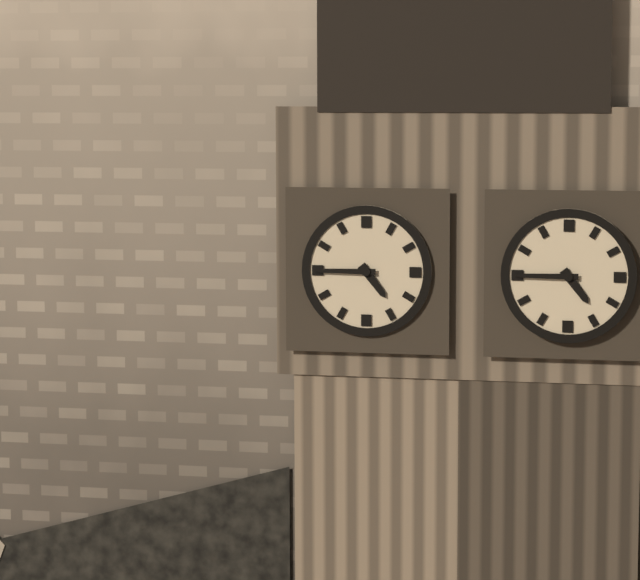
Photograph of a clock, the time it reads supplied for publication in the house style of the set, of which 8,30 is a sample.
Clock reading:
4,45
